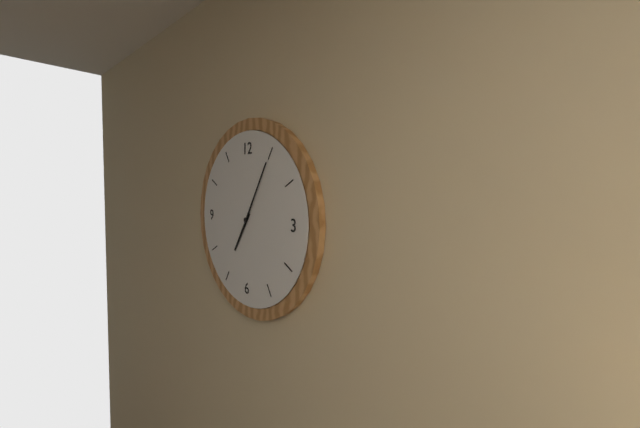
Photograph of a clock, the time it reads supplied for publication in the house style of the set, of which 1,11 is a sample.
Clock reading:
7,05
